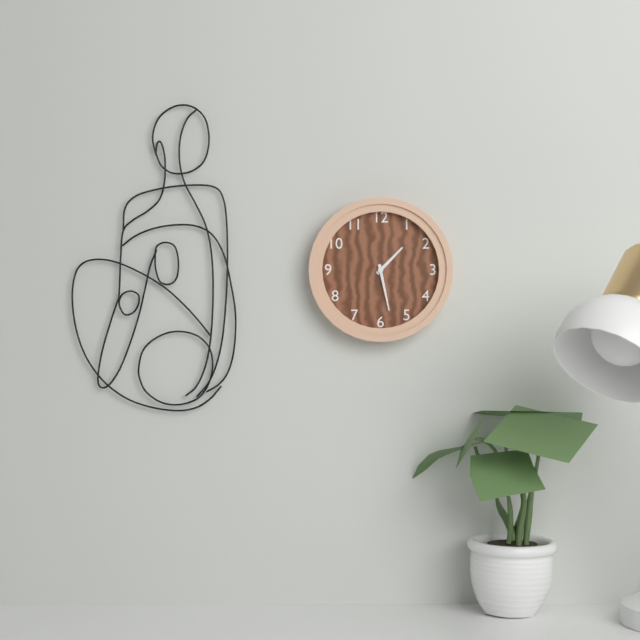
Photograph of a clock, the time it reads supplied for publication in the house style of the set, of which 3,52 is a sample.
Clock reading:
1,28
